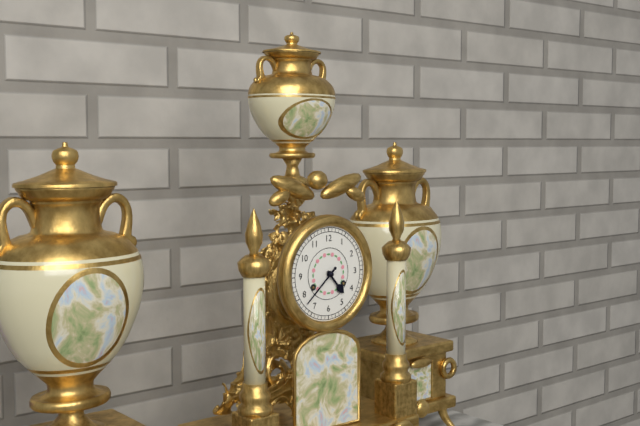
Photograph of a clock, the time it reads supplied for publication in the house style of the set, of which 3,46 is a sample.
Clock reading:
4,38
